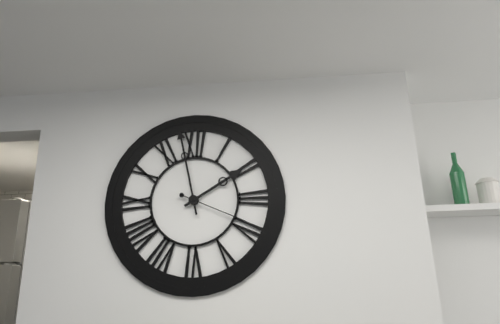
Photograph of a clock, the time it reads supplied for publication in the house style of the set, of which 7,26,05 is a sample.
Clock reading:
1,58,19
